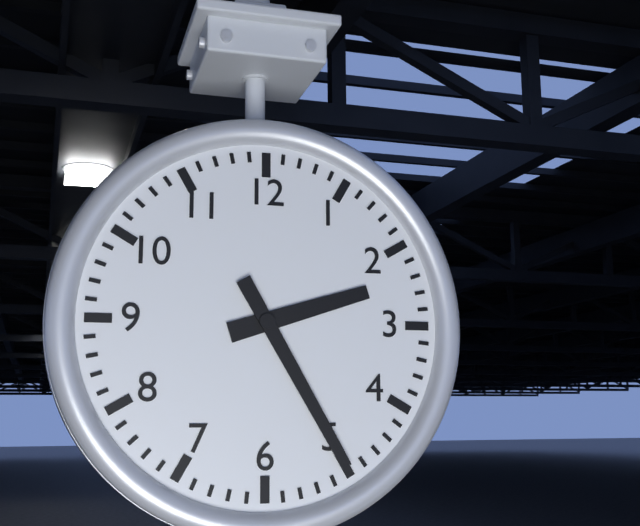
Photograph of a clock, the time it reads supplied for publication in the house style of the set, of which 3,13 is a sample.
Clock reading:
2,25
